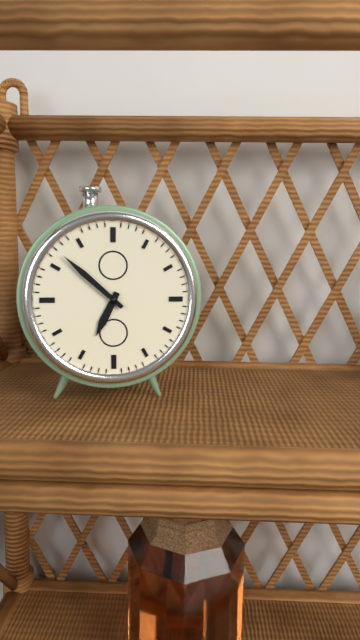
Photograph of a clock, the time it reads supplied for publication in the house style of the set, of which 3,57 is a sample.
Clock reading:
6,52
